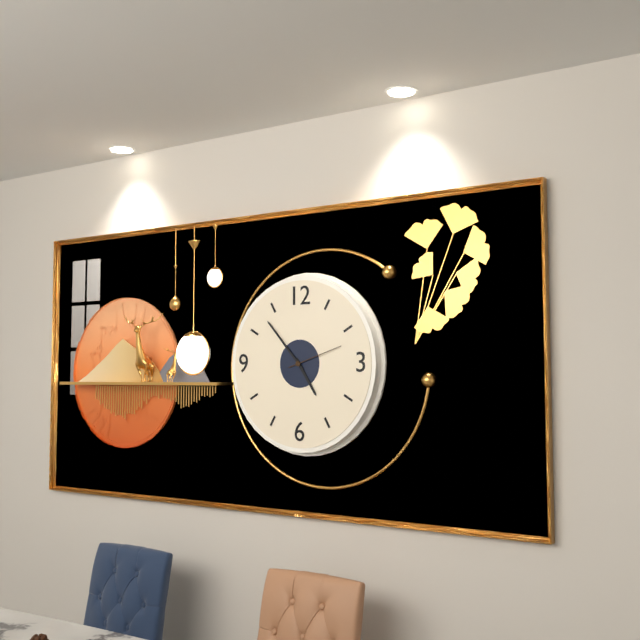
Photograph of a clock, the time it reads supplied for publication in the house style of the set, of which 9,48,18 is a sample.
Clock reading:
4,53,12
